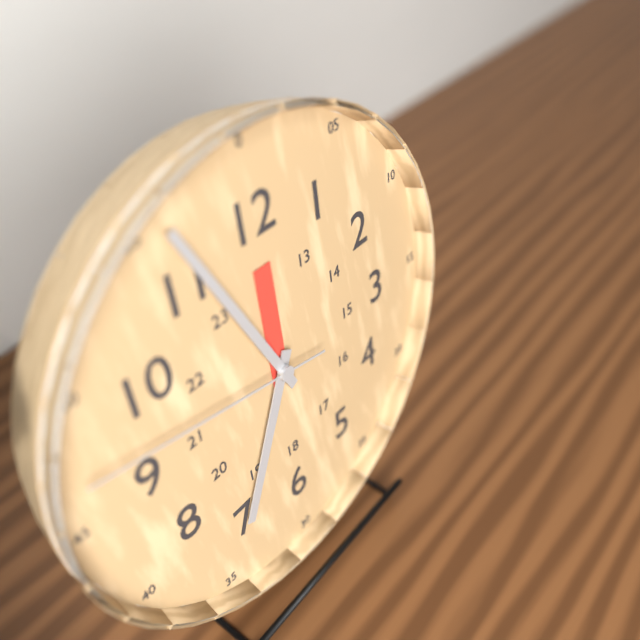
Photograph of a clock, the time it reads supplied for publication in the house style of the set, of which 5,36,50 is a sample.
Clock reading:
6,56,47
